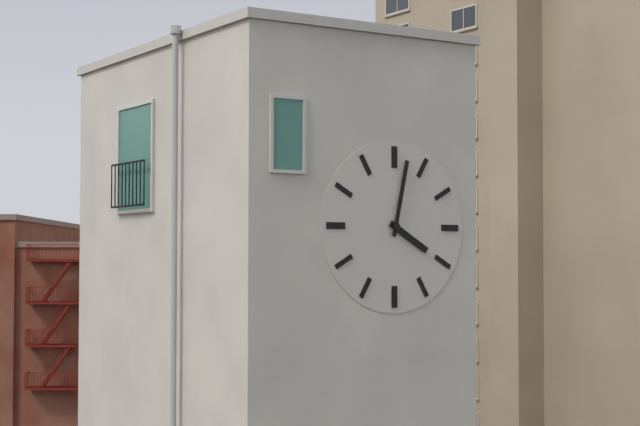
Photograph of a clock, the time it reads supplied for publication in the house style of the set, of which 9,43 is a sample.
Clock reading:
4,02
